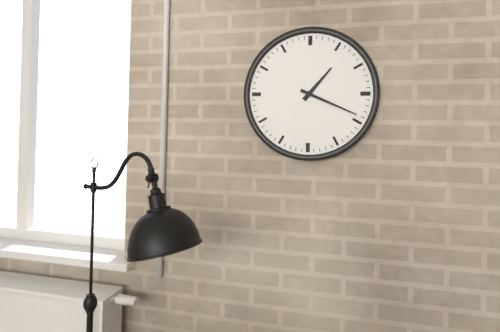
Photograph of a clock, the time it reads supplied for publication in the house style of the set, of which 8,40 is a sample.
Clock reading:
1,19
